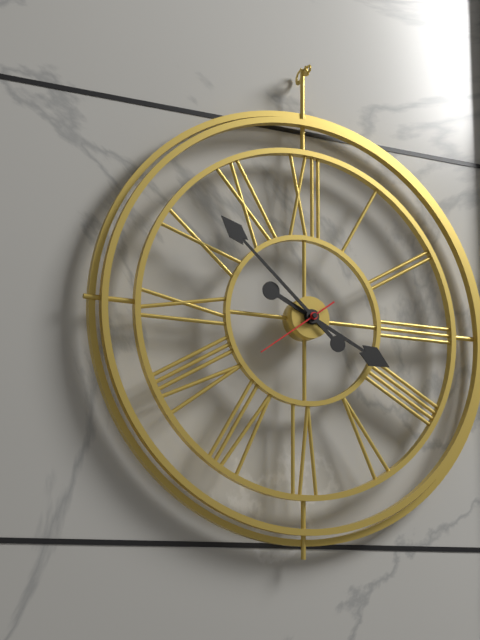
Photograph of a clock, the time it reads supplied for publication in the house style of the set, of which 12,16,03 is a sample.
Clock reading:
3,52,39
